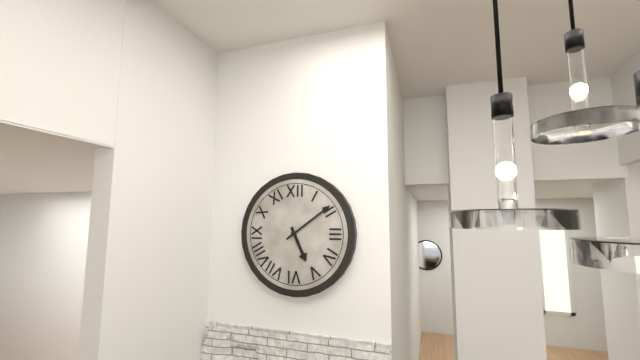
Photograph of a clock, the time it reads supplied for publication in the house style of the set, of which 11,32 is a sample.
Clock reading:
5,09
